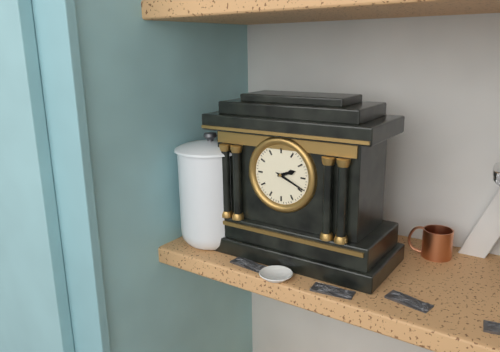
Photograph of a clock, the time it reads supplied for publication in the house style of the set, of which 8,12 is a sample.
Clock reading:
2,19
